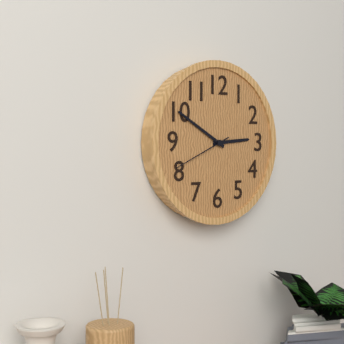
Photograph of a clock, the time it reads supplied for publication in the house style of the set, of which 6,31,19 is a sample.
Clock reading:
2,50,41
